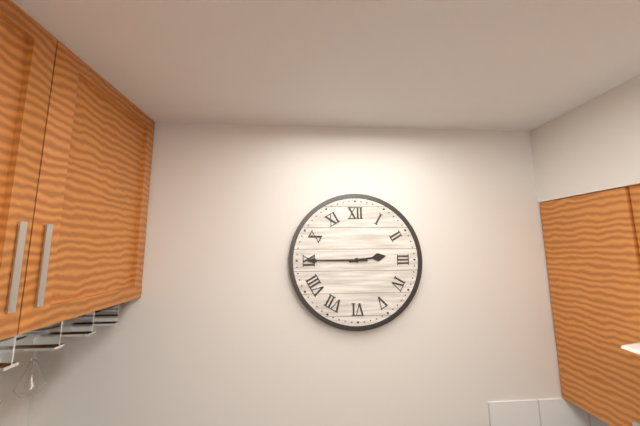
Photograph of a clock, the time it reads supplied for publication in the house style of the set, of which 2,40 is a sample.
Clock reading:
2,45
